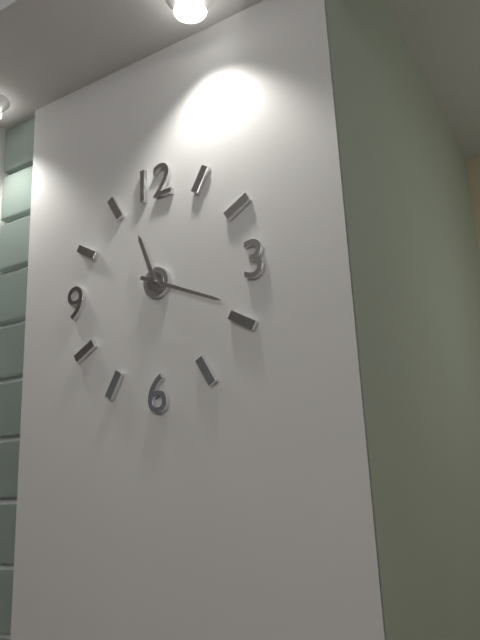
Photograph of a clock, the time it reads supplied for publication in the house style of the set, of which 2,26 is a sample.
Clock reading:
11,19
